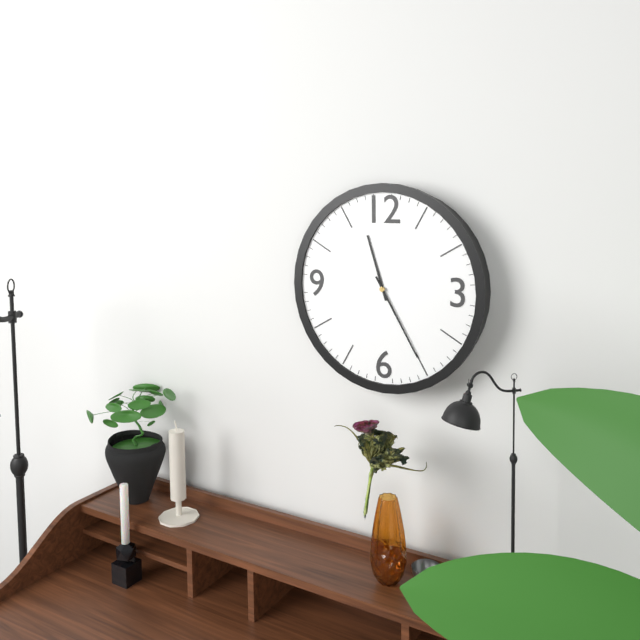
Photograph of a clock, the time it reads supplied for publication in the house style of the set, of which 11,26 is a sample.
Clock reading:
11,25
